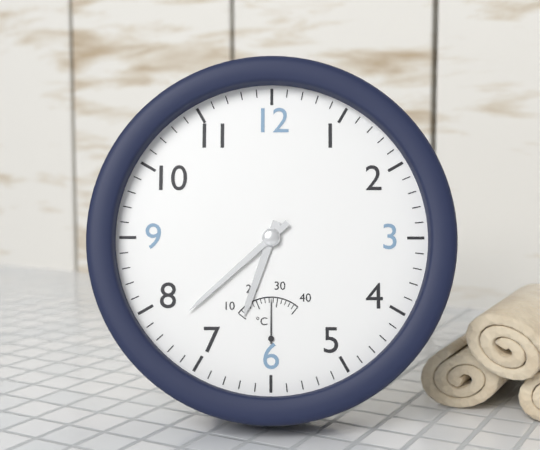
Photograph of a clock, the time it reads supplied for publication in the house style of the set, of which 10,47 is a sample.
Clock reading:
6,38
